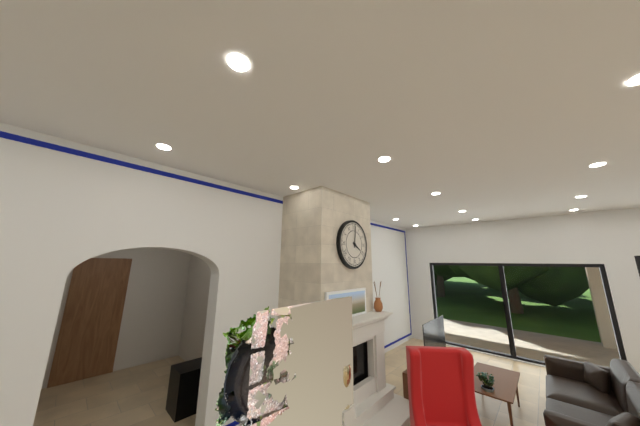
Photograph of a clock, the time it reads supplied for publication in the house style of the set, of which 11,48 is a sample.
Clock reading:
4,01
